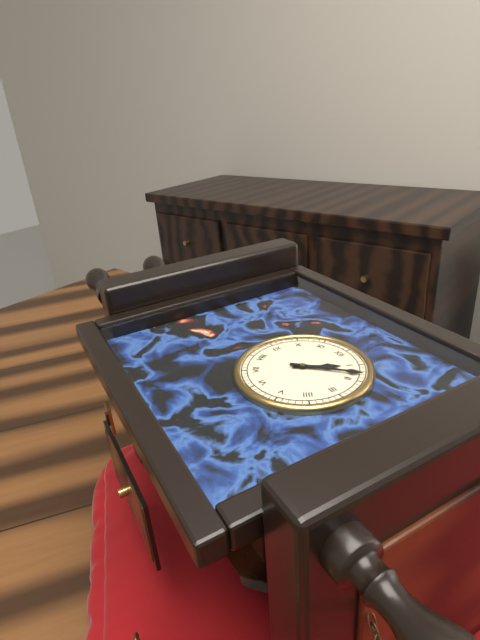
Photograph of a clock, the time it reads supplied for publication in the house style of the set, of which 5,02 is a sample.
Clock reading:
1,08
